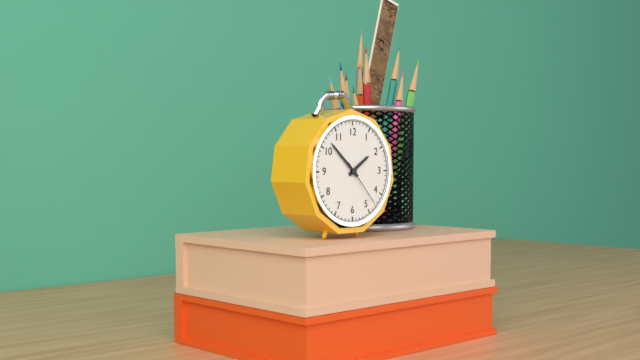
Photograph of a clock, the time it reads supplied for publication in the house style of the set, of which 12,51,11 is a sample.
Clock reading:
1,52,23
